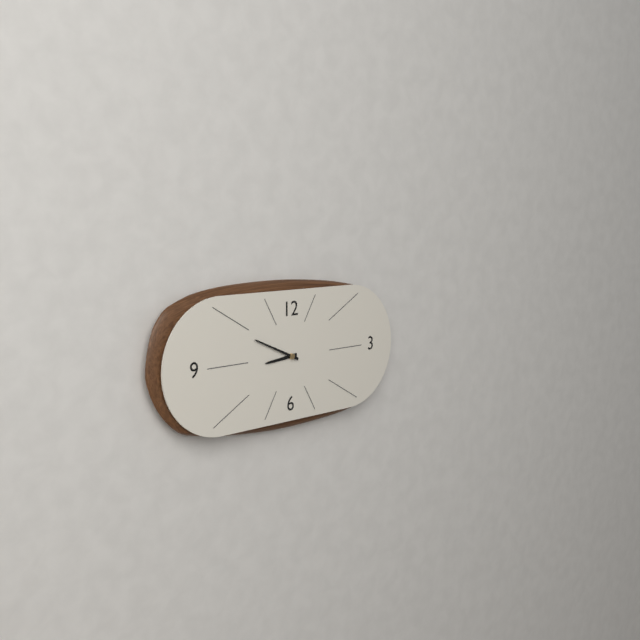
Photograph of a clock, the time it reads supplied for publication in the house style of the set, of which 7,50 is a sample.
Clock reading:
8,49
